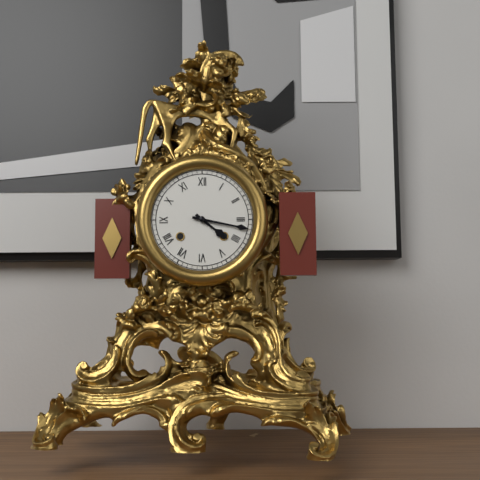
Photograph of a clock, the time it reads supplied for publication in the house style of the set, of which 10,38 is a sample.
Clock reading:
4,17
